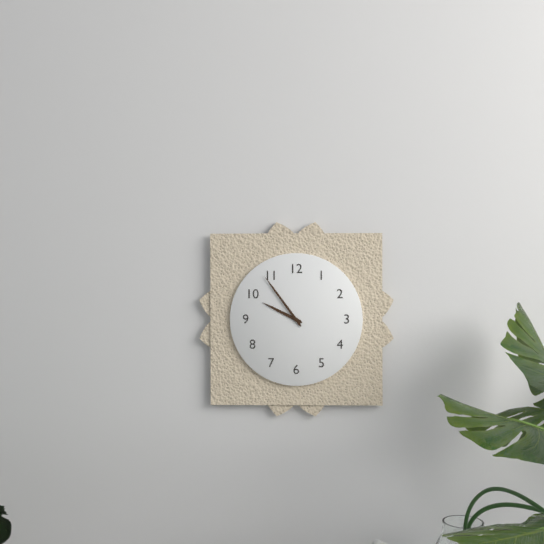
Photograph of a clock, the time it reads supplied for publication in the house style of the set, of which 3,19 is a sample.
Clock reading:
9,54
